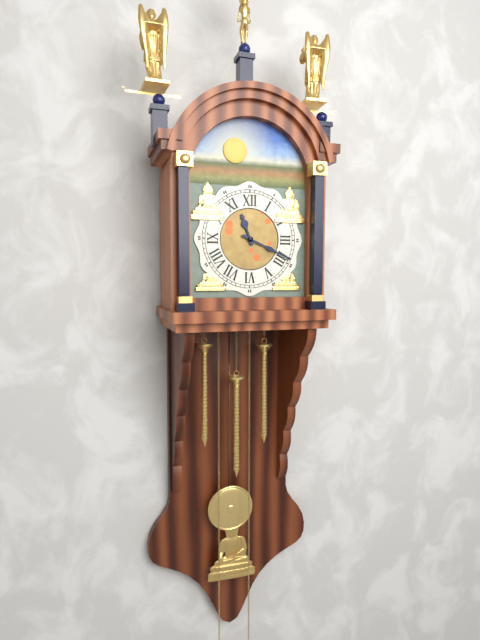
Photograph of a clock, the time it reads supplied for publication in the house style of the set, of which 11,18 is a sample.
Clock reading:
11,19
